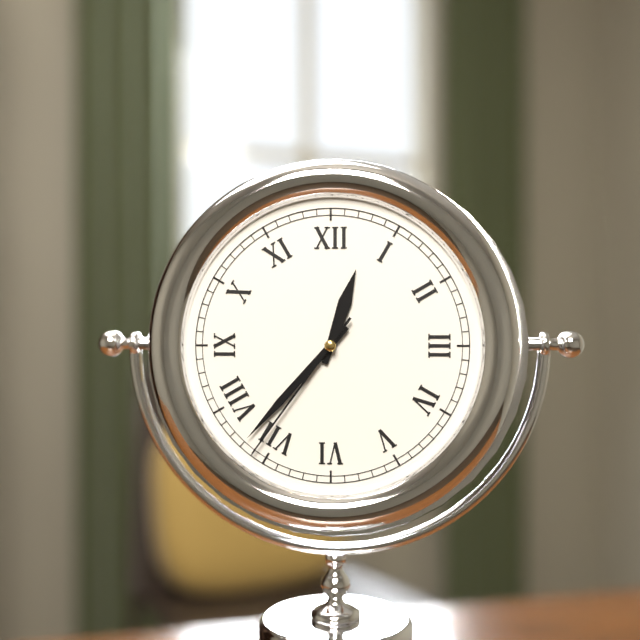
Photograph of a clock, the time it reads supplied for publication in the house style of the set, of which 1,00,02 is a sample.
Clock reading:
12,37,36
